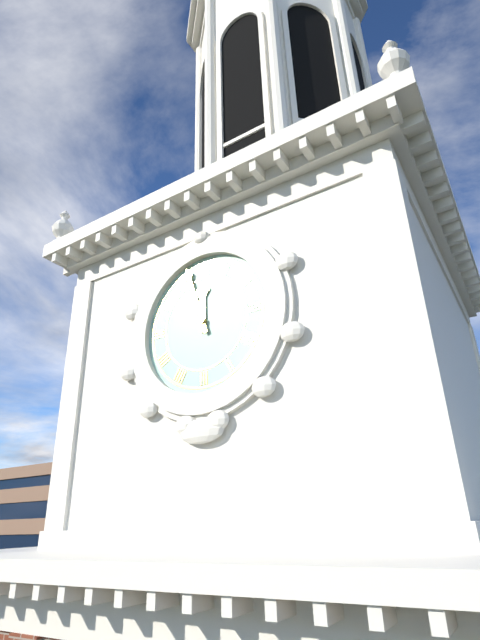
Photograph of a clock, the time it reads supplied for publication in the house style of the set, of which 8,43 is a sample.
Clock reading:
11,57
